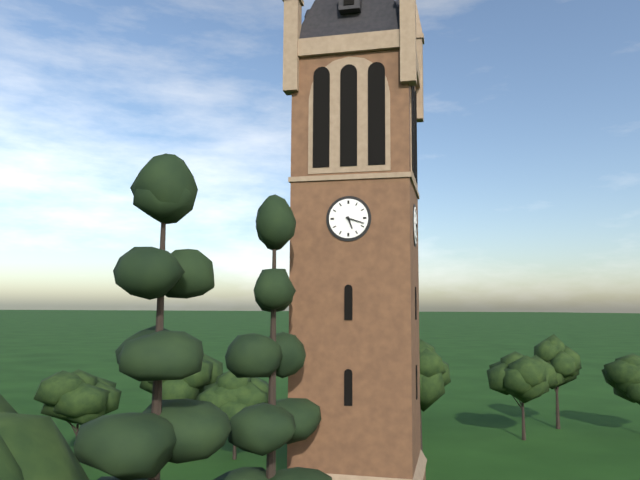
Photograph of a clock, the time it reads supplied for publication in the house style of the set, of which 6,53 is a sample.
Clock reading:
5,18
